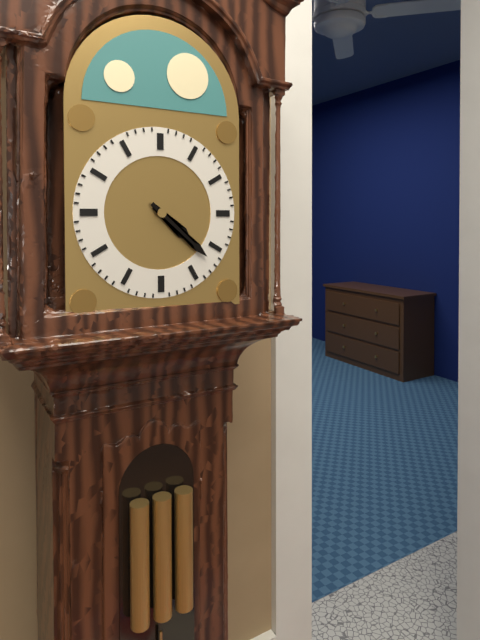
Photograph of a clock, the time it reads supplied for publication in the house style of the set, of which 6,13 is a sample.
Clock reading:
4,22
